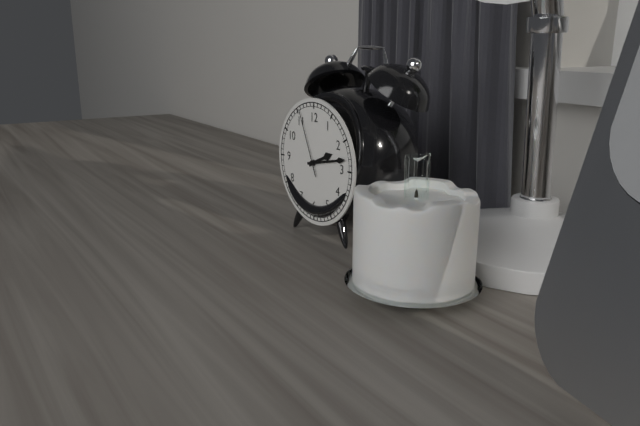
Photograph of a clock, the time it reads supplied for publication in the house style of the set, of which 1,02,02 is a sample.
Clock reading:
2,13,56
